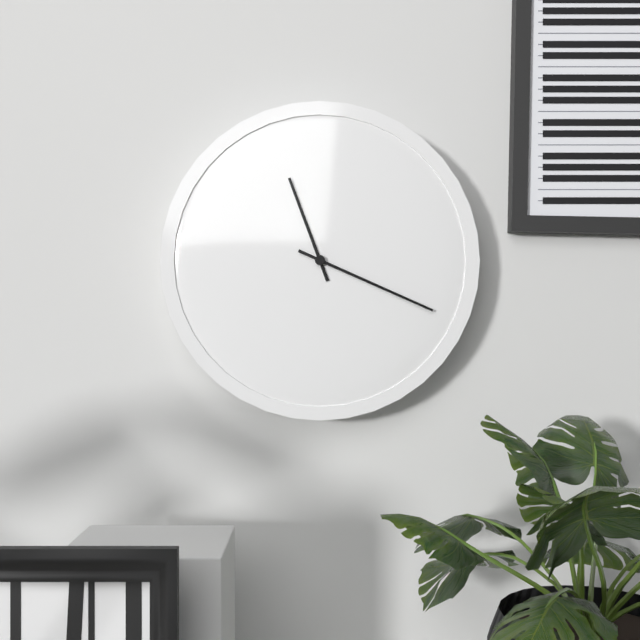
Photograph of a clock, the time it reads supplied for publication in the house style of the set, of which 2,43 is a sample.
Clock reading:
11,19
